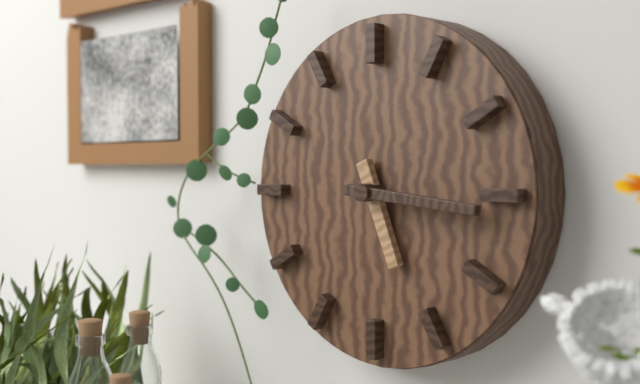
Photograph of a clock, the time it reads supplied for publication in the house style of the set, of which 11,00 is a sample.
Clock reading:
5,16
